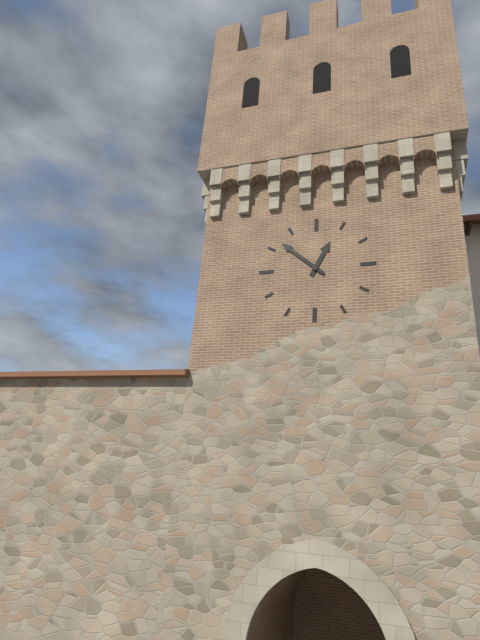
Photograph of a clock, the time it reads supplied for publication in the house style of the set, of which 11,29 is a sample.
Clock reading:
12,52
